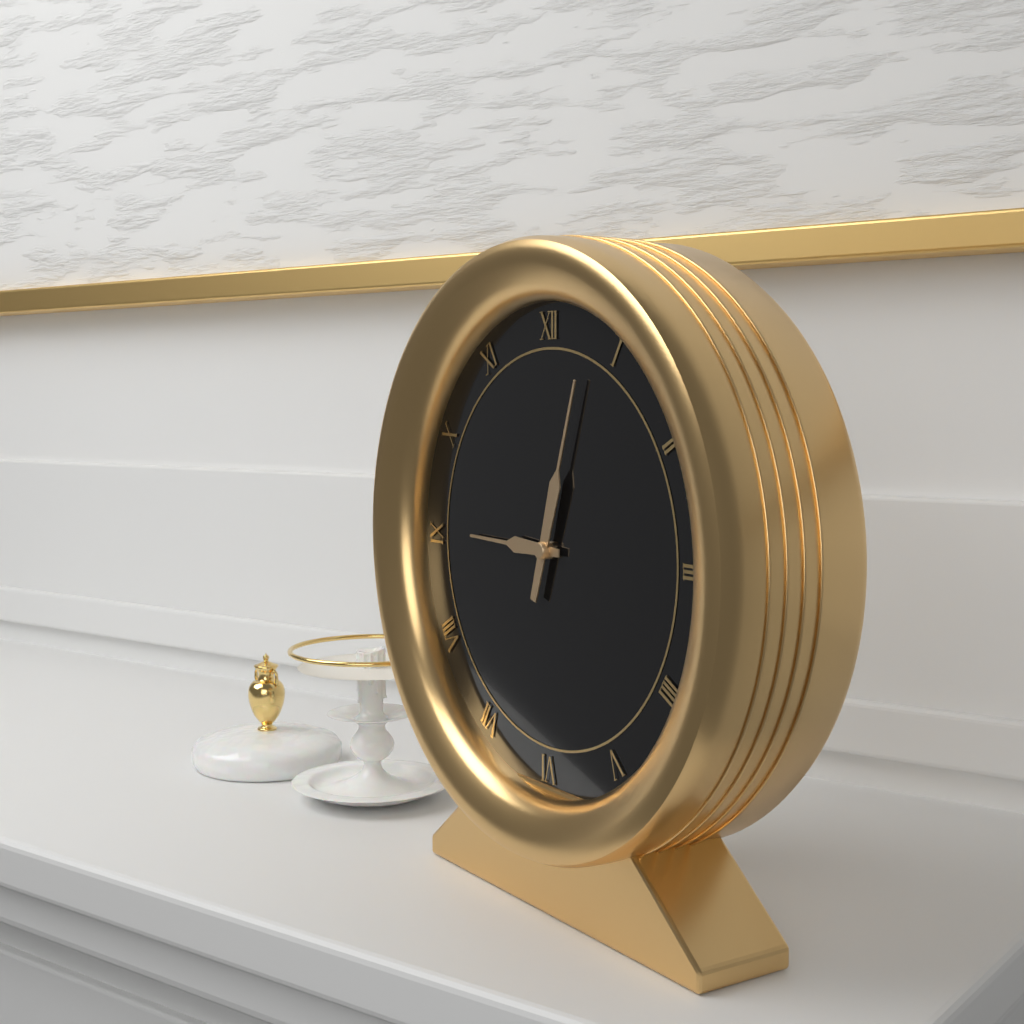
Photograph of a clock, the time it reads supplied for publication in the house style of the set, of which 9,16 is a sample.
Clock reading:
9,03
